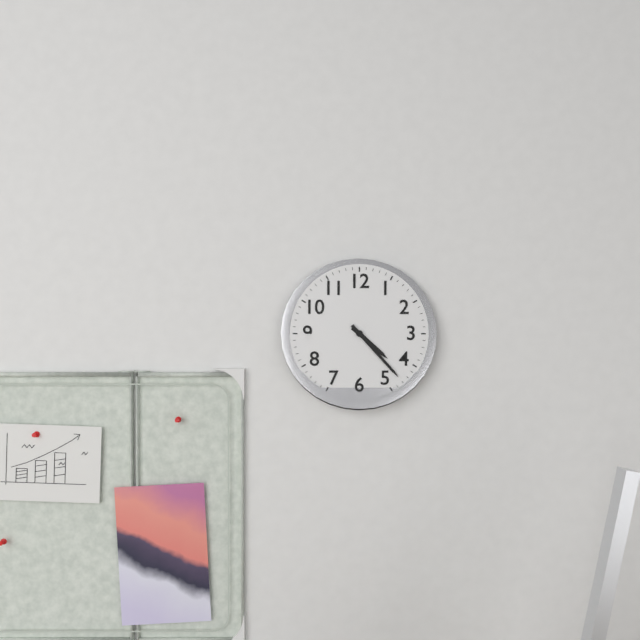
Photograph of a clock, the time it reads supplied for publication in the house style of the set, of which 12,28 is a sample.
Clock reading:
4,23
